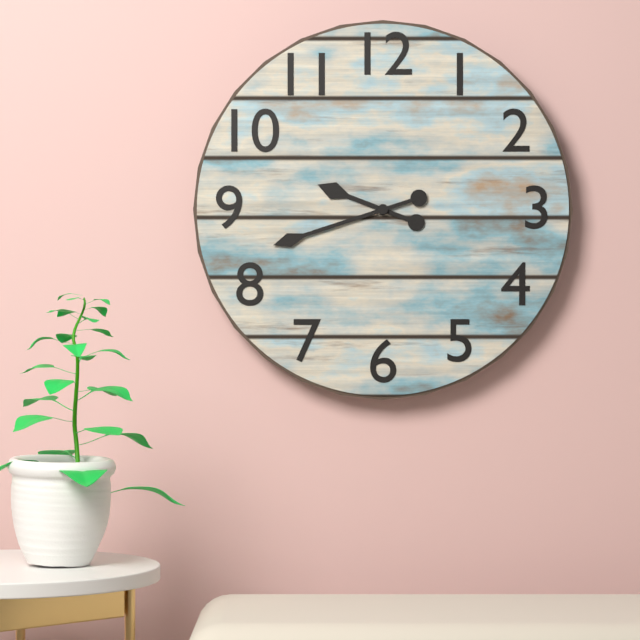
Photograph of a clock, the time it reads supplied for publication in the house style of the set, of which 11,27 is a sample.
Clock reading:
9,42
